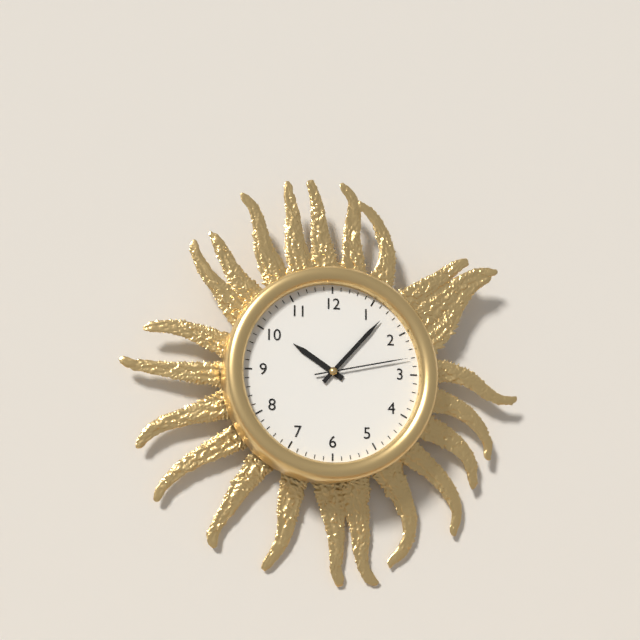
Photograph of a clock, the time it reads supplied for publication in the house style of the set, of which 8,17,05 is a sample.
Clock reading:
10,07,13
